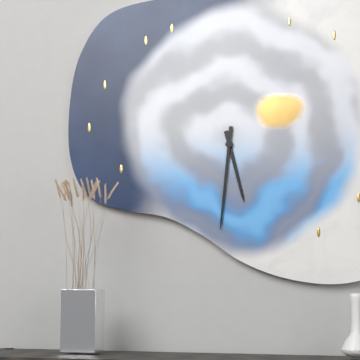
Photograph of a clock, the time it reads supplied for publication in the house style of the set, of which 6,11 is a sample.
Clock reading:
5,31
